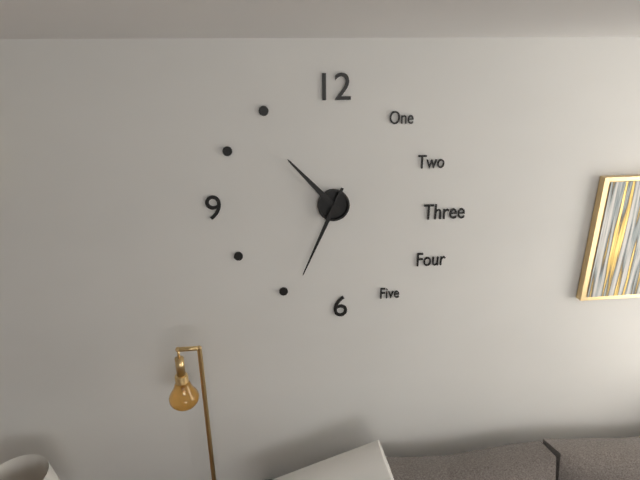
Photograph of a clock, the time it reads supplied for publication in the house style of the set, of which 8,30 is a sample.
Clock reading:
10,34
